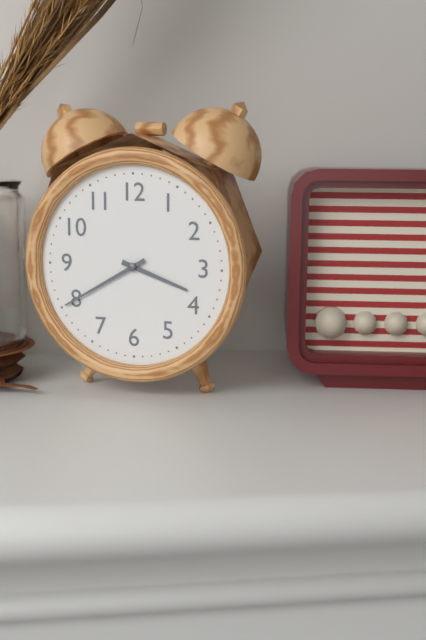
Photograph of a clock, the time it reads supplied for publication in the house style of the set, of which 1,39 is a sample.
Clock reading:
3,40
